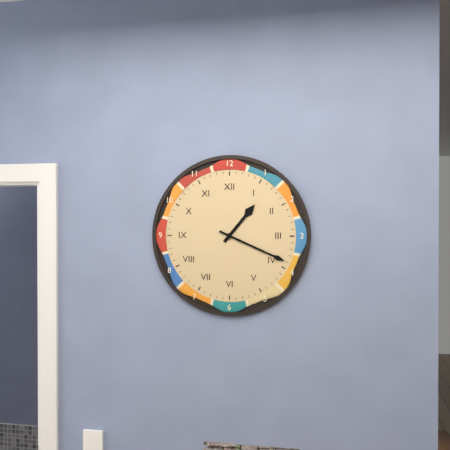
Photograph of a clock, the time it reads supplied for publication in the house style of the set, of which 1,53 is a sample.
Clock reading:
1,19
